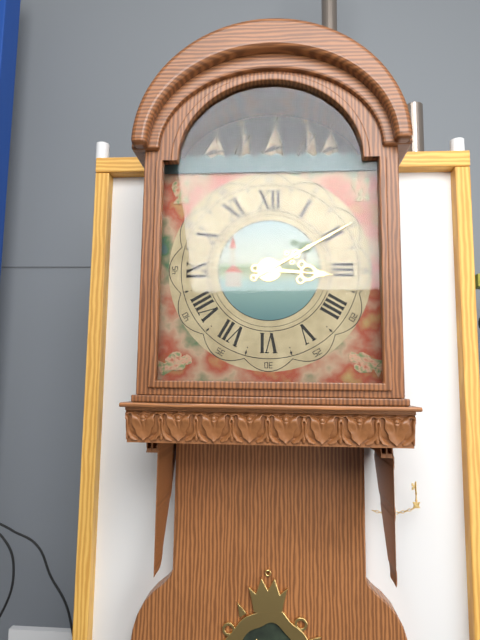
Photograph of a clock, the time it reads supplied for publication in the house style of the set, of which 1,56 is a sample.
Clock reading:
3,10
